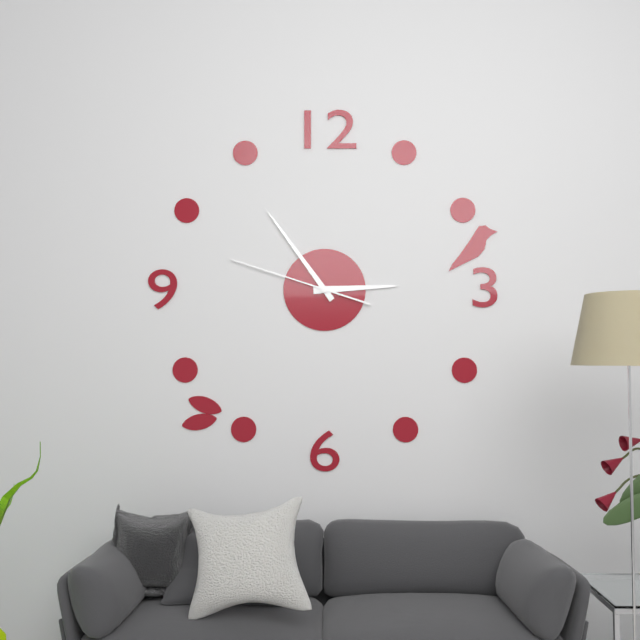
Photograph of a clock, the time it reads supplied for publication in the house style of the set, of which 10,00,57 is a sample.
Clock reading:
2,54,48
